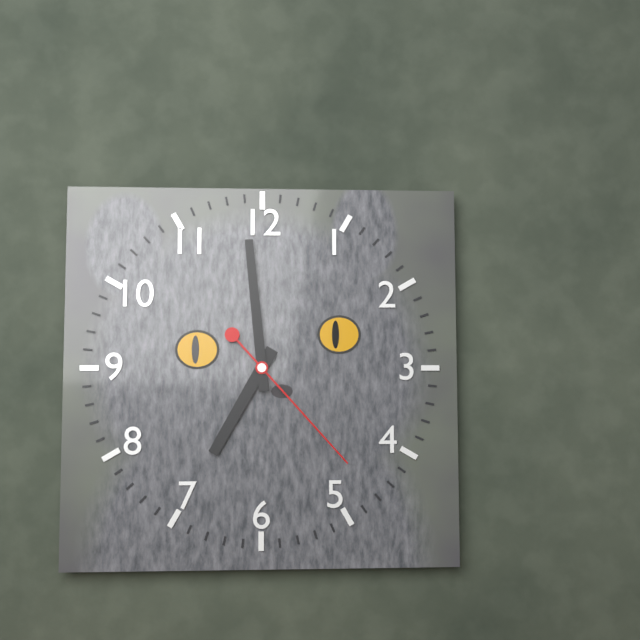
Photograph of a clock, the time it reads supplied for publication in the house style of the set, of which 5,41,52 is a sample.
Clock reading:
6,59,23
